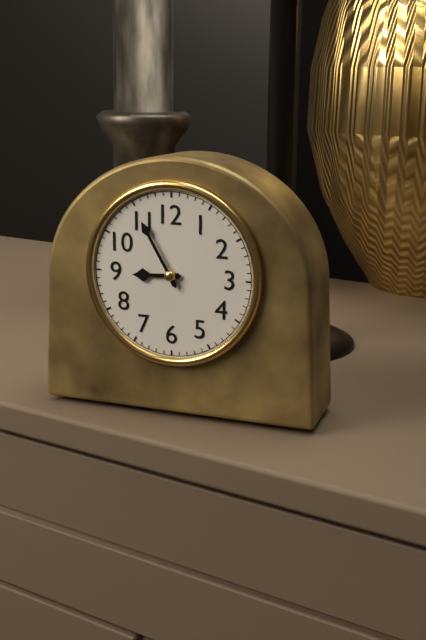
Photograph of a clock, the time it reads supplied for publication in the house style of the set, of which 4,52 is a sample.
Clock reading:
8,55
